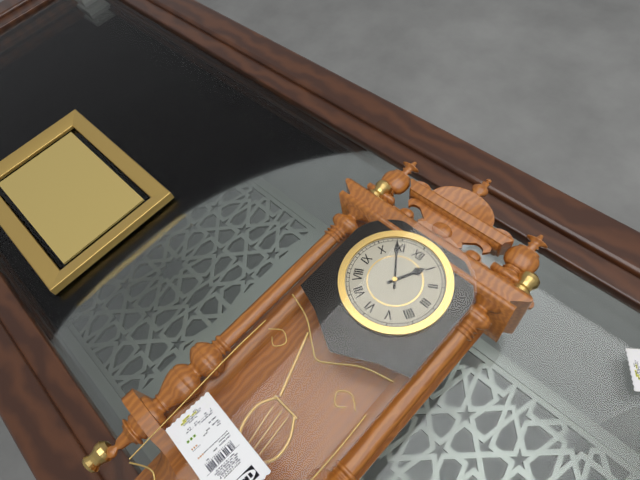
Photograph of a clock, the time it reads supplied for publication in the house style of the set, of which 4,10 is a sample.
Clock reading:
12,54
